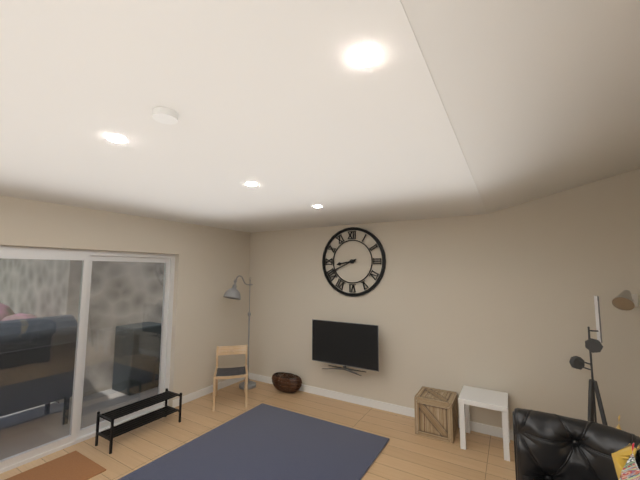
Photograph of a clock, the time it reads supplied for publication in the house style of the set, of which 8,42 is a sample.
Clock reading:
8,41
